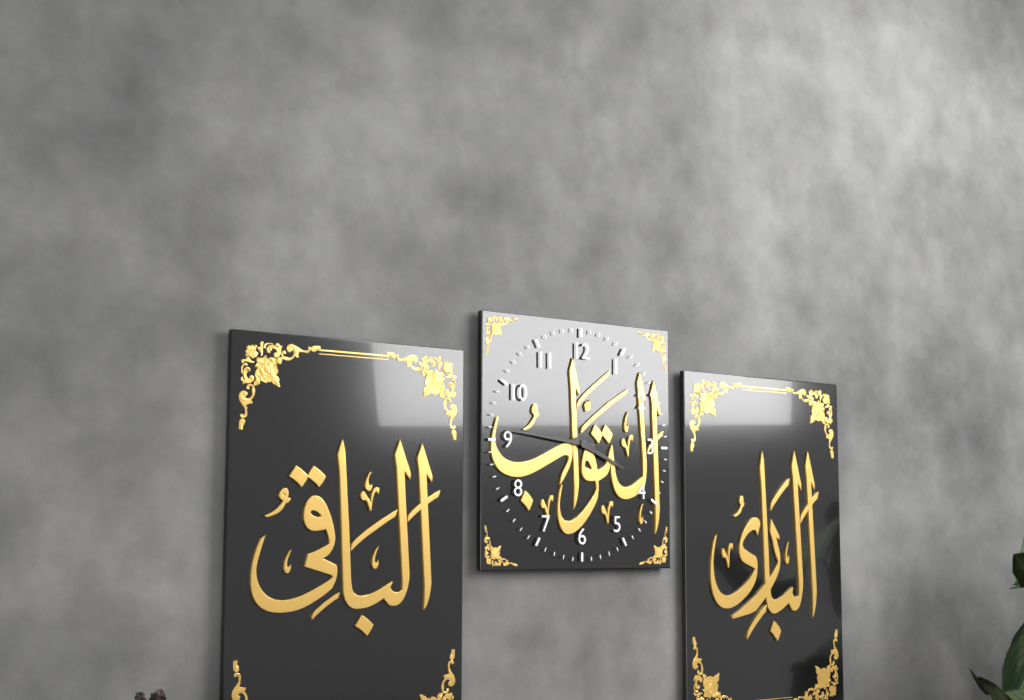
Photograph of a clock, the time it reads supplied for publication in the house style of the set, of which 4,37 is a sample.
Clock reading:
3,46
